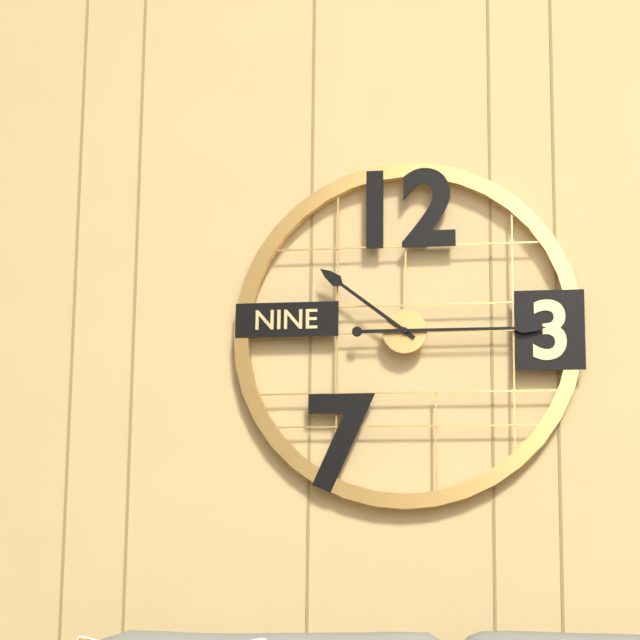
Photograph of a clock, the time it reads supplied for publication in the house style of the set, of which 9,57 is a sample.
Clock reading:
10,15
